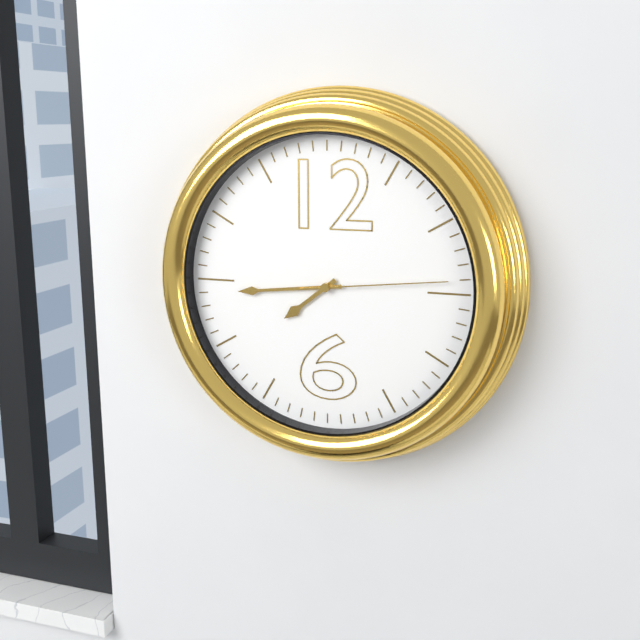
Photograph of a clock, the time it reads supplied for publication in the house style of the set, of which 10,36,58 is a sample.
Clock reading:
7,44,14
